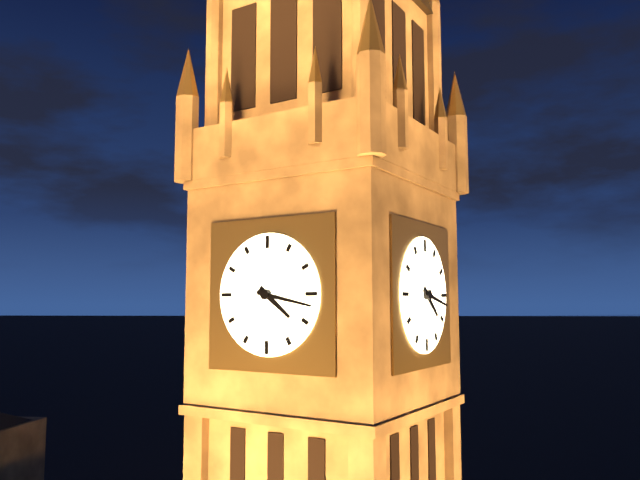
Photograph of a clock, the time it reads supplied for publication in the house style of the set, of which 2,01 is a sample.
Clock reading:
4,17
